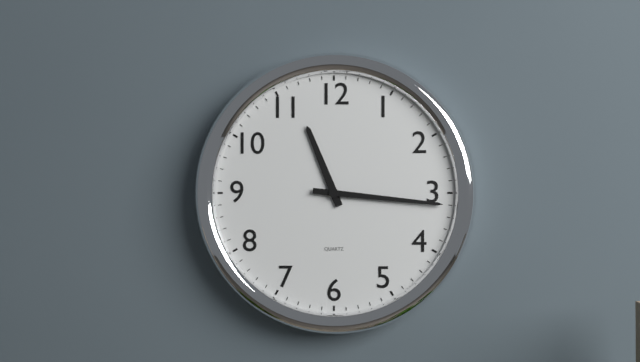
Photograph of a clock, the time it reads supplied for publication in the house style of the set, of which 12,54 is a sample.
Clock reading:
11,16
